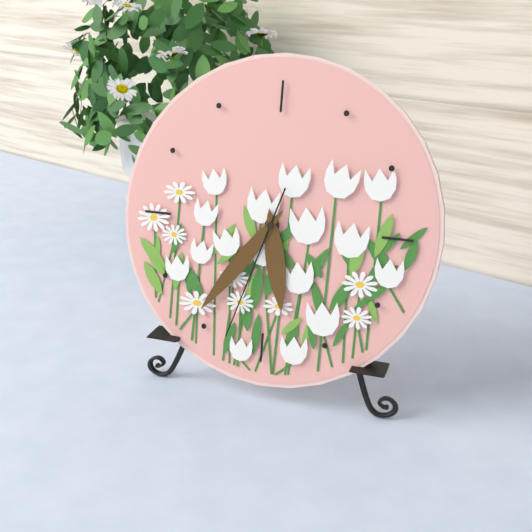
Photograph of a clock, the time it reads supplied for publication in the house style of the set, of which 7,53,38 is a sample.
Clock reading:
5,36,33
